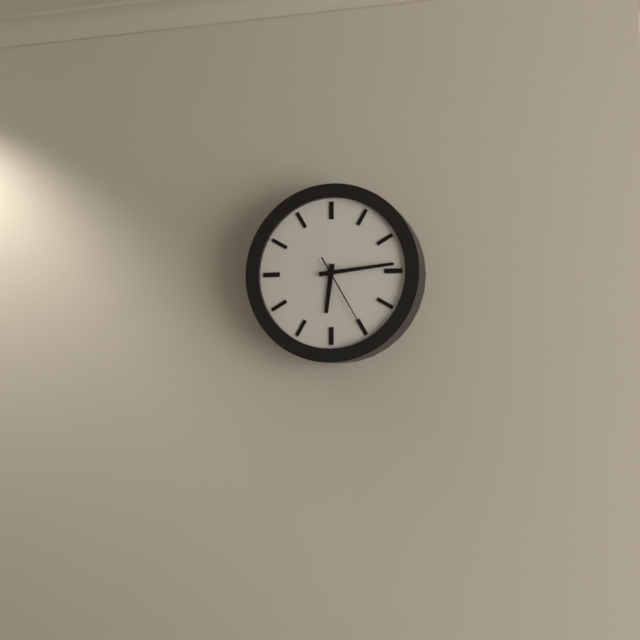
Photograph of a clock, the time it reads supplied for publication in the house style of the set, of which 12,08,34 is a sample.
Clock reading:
6,14,25
